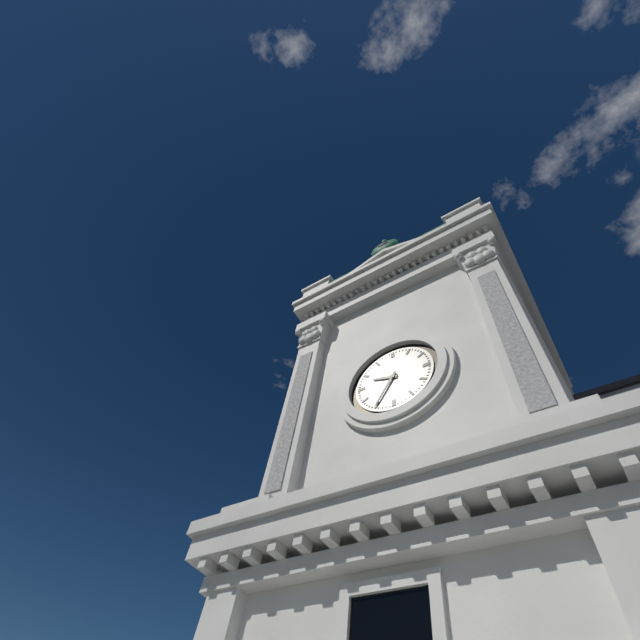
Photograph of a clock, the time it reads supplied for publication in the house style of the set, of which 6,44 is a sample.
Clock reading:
9,35
